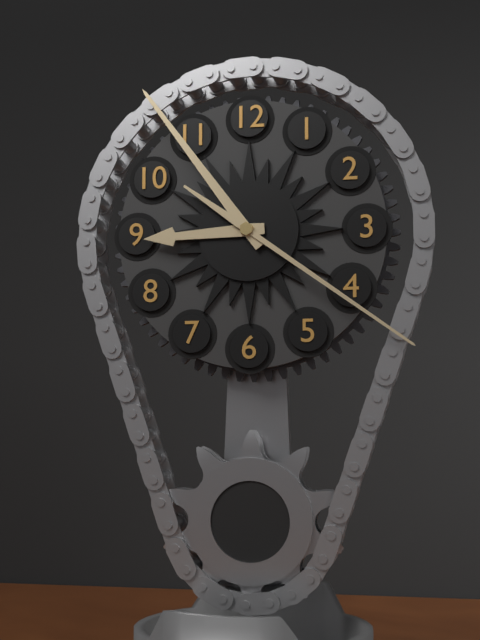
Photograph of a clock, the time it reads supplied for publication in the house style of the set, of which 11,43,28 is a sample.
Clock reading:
8,54,21
